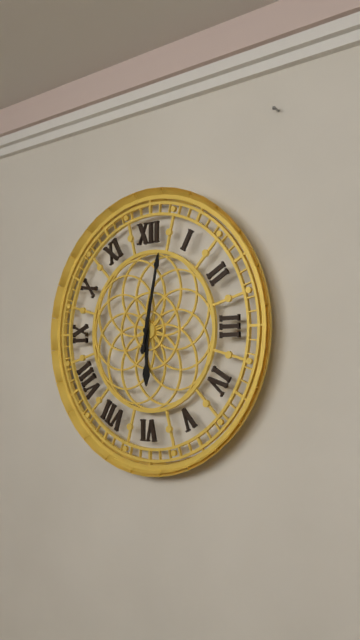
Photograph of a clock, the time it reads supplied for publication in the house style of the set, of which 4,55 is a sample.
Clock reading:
6,02
